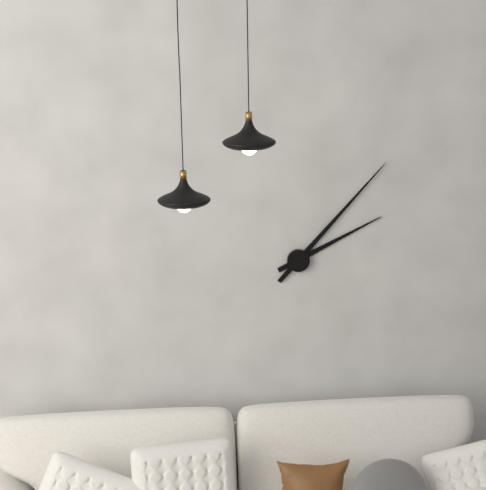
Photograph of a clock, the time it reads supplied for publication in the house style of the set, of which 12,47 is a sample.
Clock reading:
2,07
